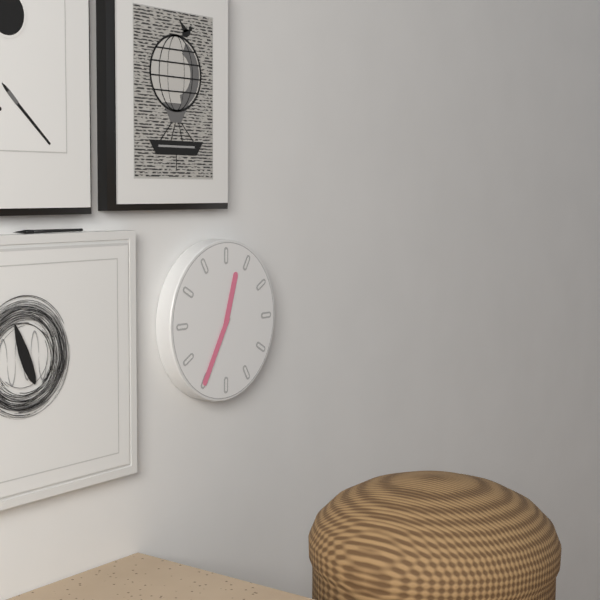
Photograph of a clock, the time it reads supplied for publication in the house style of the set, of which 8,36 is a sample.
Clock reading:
12,35
